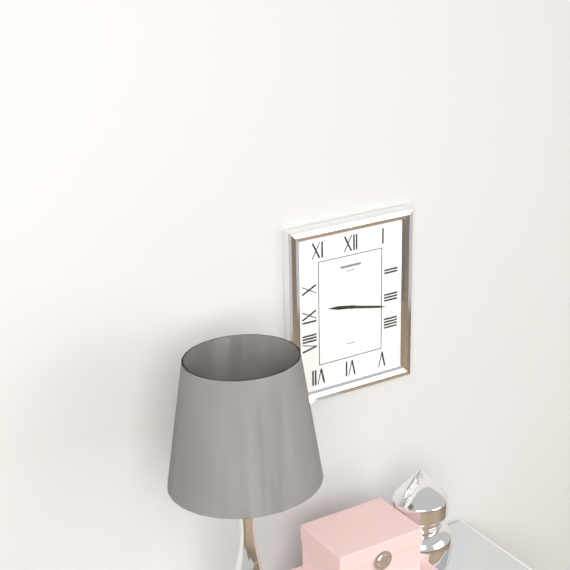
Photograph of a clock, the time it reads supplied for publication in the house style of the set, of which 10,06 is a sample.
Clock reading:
9,17
